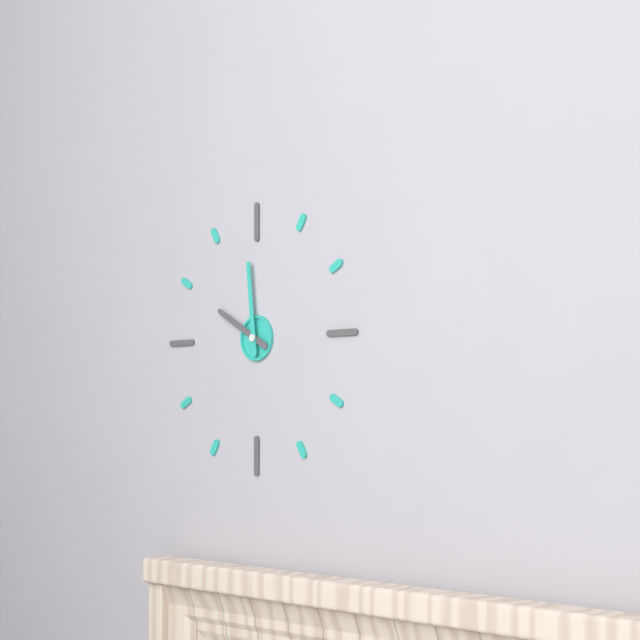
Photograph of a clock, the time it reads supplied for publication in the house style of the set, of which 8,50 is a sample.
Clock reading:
9,59
